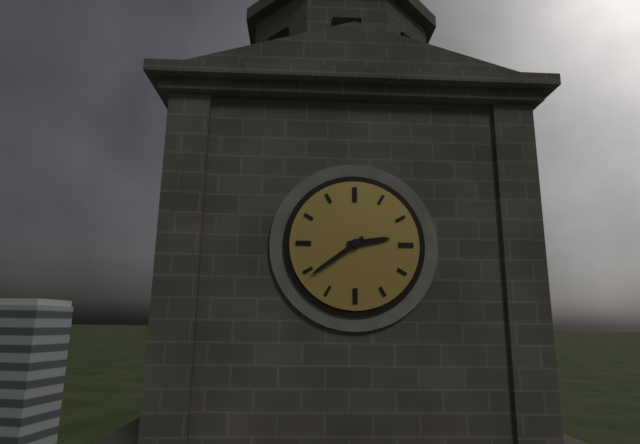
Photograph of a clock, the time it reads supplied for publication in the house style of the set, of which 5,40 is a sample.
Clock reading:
2,39
